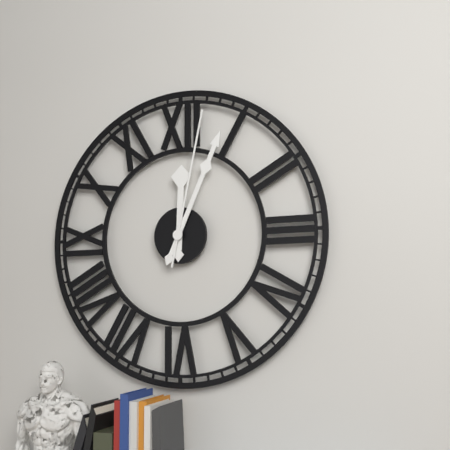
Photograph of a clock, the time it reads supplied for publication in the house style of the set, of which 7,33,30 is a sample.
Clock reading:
12,04,02
